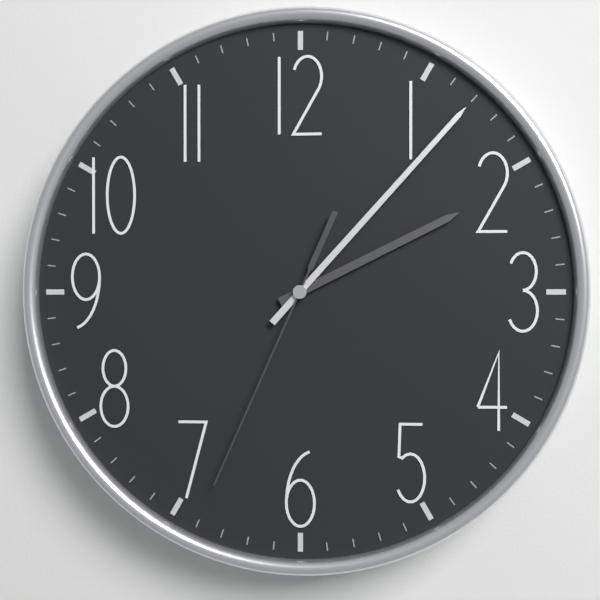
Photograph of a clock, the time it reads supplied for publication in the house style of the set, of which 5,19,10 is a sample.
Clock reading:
2,07,34
